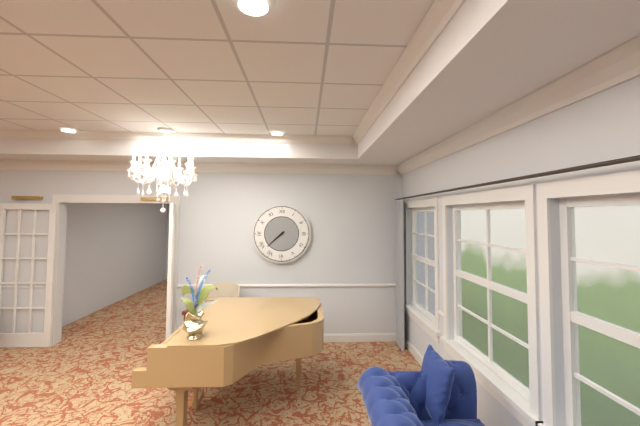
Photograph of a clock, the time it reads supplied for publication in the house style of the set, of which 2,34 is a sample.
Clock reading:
7,38
